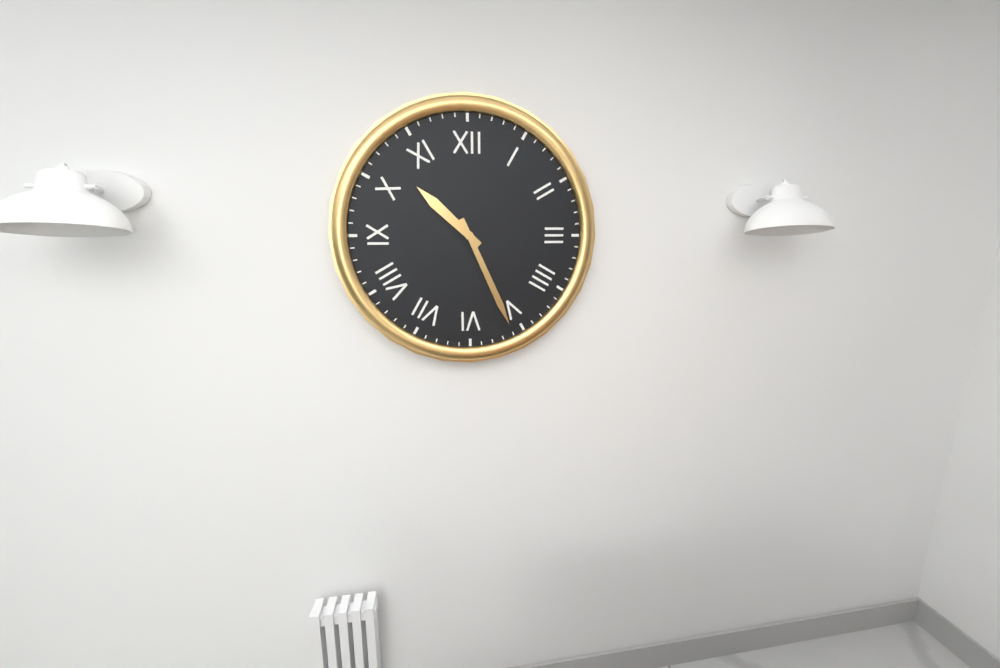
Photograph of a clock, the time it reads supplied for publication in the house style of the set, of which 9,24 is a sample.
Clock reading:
10,26
